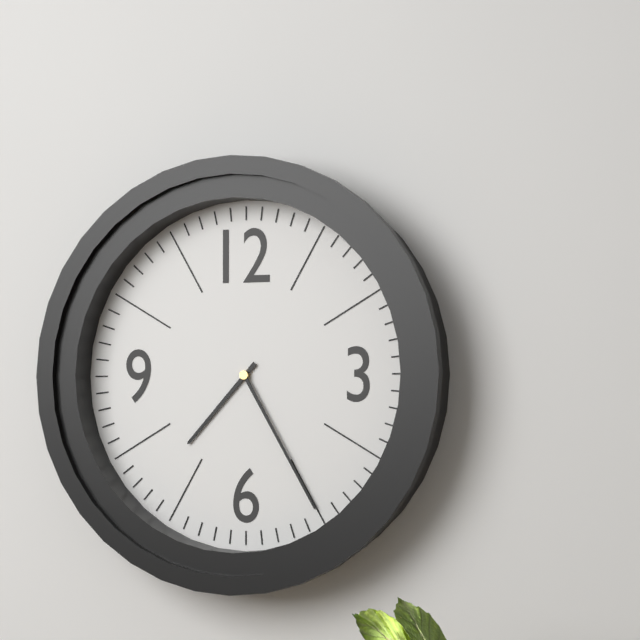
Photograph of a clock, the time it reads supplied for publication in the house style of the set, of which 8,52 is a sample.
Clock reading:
7,25
